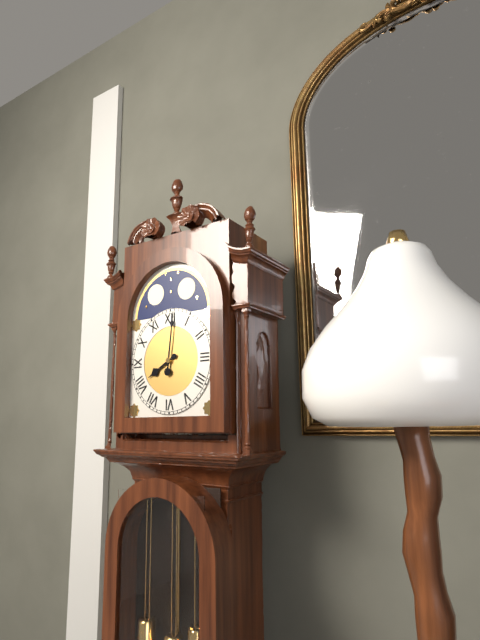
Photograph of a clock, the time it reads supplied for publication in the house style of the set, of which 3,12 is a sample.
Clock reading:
8,01
